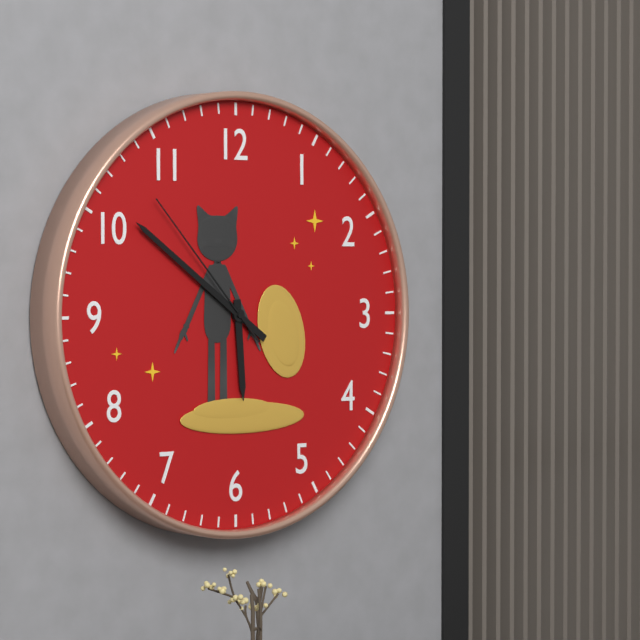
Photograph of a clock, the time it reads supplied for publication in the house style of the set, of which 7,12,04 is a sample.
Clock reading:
5,51,53
